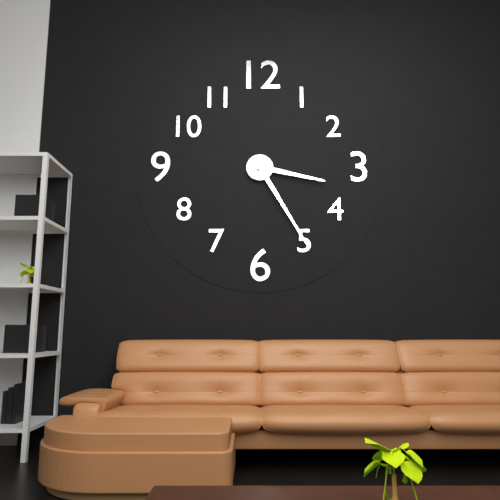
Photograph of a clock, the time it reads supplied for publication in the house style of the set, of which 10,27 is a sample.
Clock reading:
3,25
